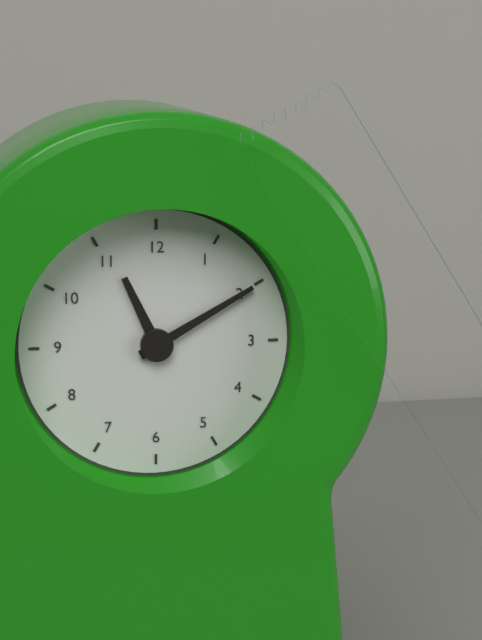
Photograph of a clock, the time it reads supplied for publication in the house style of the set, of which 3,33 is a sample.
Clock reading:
11,10
